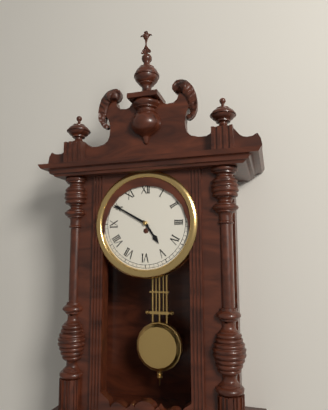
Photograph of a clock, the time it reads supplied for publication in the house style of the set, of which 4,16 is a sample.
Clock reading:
4,50
